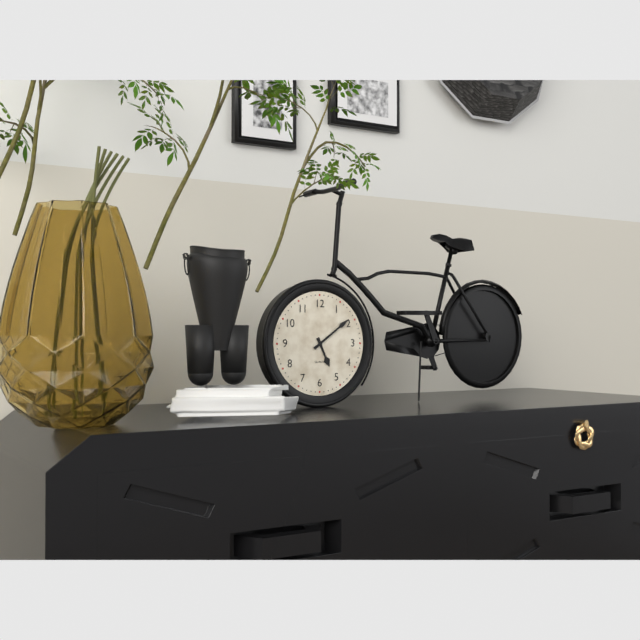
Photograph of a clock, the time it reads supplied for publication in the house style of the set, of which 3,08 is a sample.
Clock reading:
5,09
